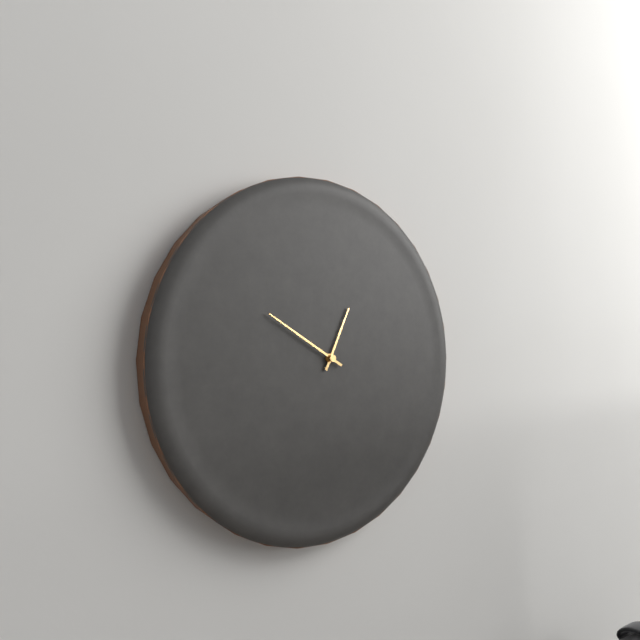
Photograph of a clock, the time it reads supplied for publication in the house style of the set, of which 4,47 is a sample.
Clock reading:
12,50
